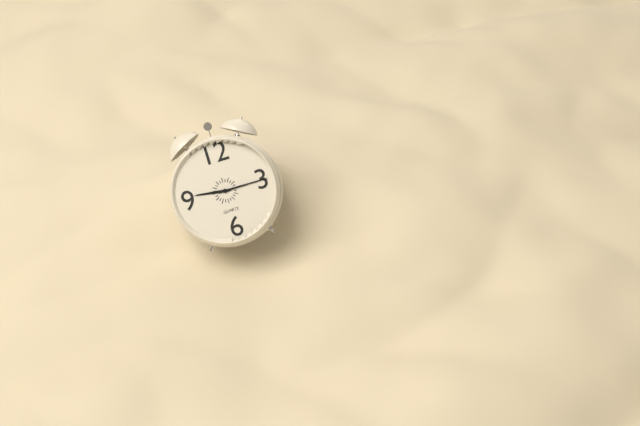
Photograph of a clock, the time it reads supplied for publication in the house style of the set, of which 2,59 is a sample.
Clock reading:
9,15
